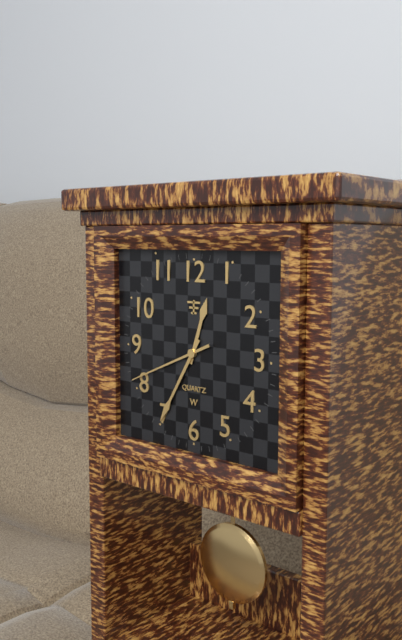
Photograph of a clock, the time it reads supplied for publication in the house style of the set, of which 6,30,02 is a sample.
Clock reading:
12,35,41
